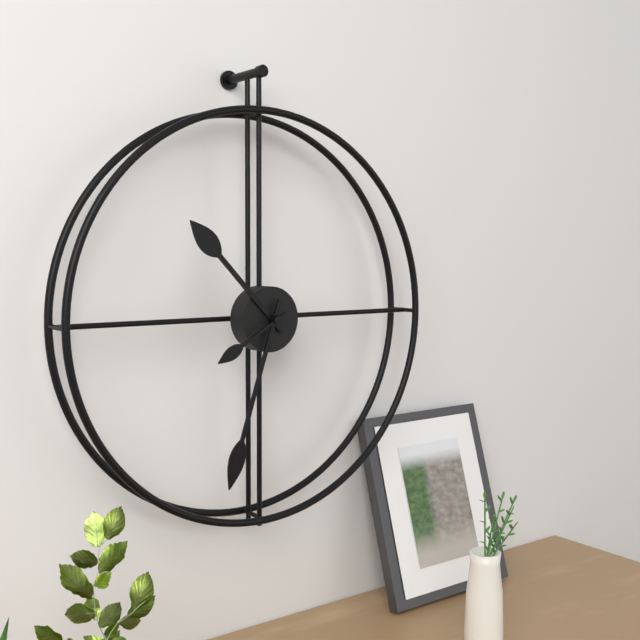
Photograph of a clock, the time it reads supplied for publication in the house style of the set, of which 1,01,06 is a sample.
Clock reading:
10,33,40
